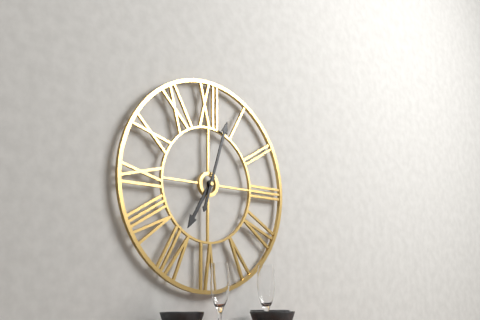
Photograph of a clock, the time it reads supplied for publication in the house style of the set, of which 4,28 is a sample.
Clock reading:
7,03
